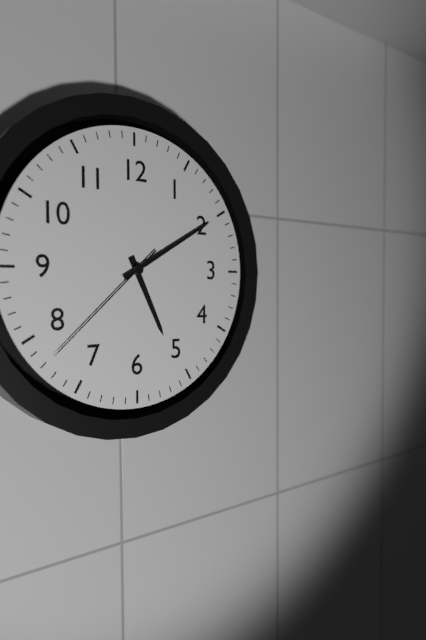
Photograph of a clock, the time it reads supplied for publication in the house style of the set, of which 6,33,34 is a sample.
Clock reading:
5,10,38
